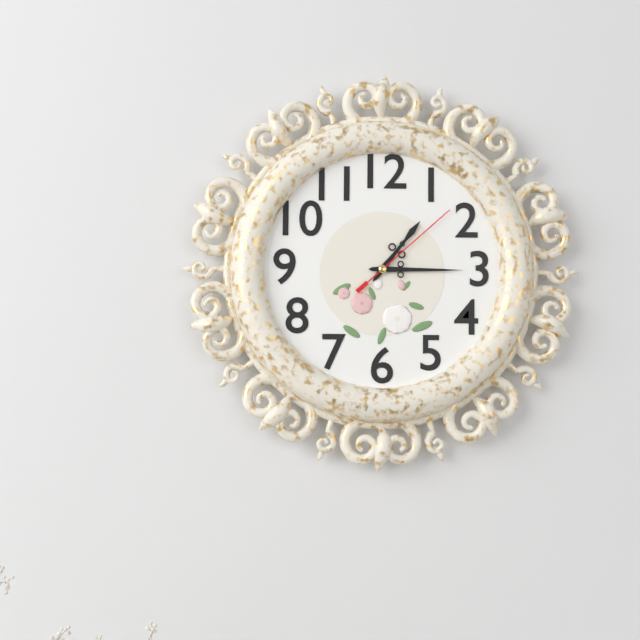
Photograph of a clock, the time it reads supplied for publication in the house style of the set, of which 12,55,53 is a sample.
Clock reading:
1,15,08
